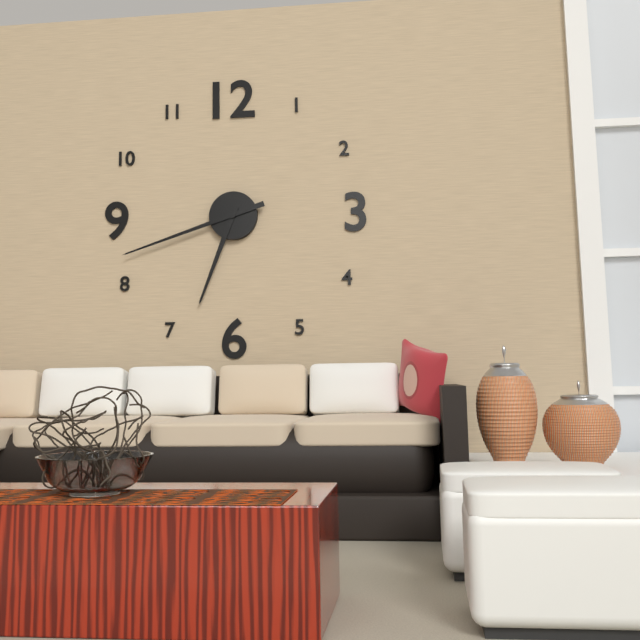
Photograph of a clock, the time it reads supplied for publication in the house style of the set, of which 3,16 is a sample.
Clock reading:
6,42
